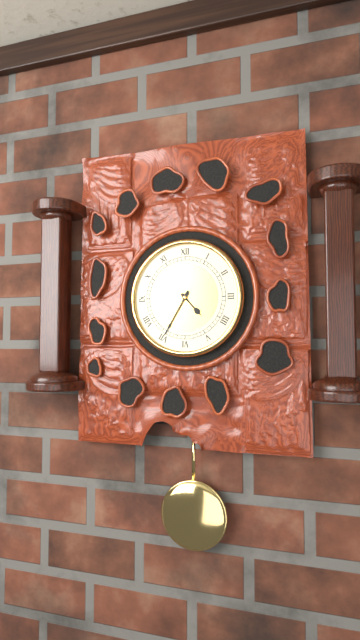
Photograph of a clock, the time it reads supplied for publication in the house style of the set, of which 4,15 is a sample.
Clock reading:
4,35
